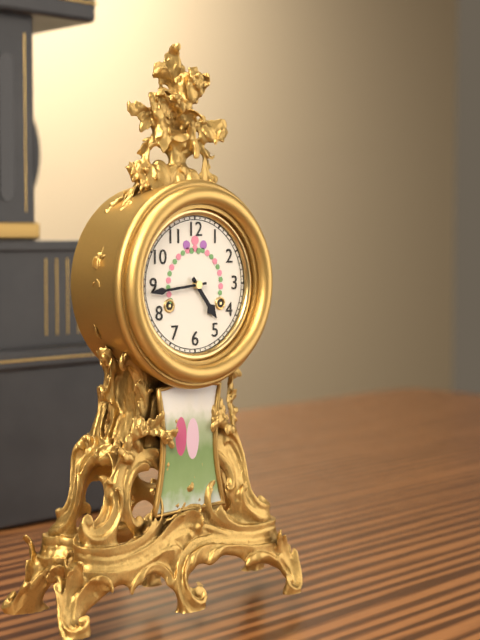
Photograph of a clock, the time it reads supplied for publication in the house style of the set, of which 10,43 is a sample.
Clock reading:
4,44
